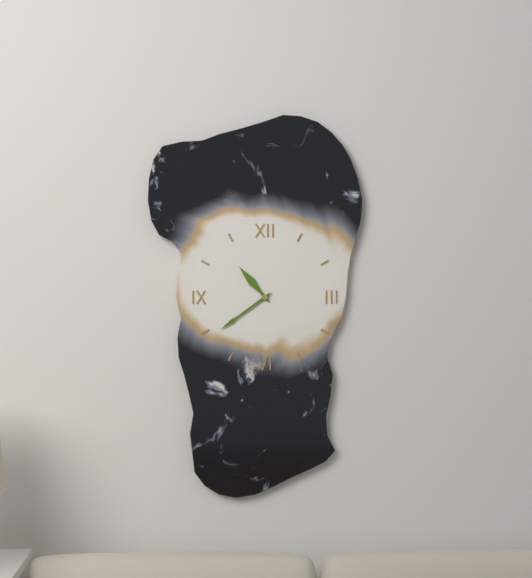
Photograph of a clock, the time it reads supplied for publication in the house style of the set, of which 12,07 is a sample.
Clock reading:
10,39
